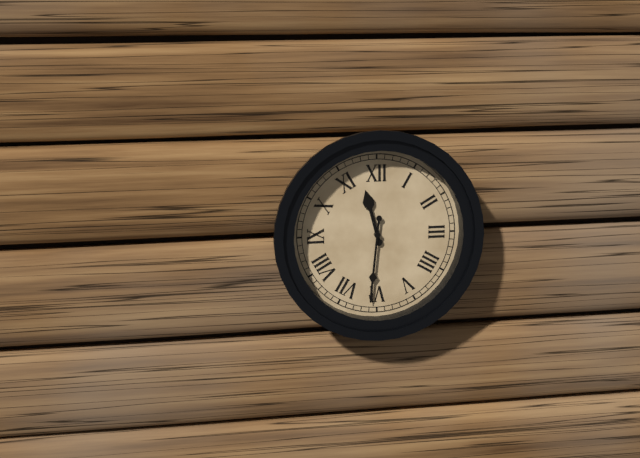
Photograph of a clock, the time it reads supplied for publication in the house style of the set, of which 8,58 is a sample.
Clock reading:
11,31
